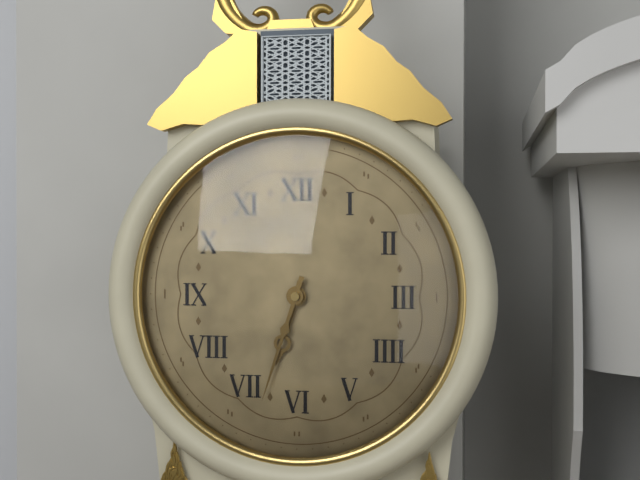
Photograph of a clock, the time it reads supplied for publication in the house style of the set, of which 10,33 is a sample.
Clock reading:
6,33
